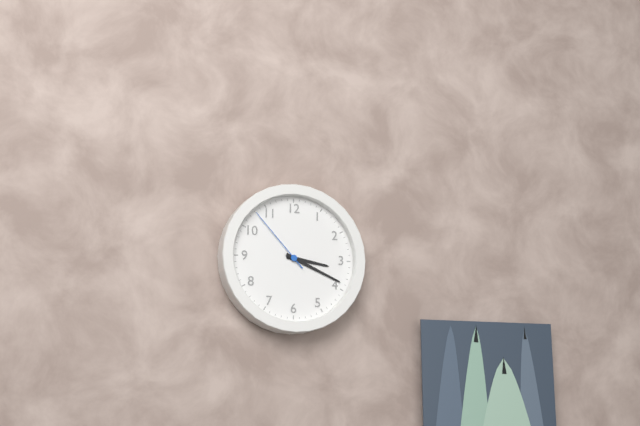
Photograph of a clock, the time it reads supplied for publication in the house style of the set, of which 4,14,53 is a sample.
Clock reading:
3,19,53
